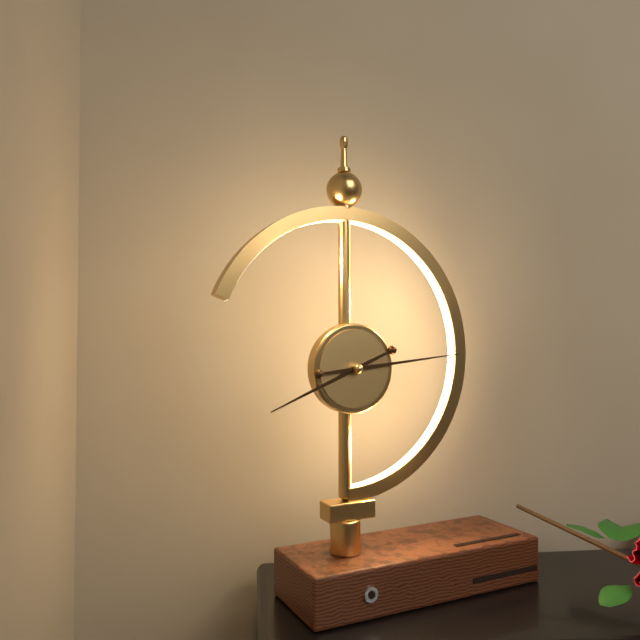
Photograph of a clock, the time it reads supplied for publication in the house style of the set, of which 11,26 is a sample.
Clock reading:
8,14
